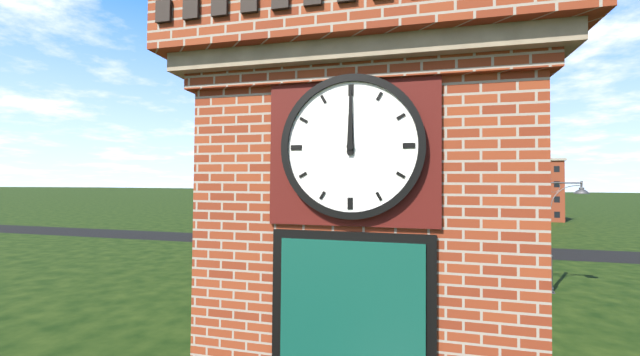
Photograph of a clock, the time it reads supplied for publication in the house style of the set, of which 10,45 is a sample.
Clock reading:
12,00
